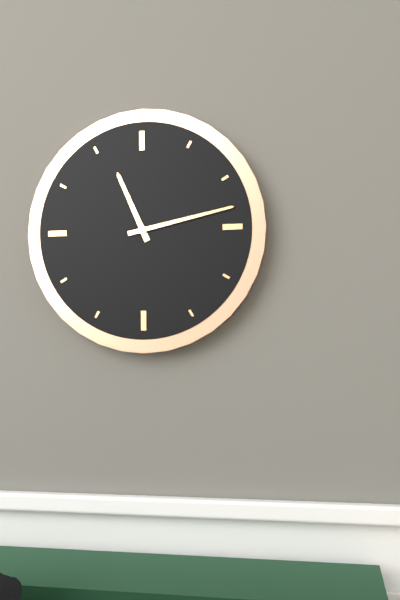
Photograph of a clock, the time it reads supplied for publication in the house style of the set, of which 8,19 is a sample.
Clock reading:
11,13
